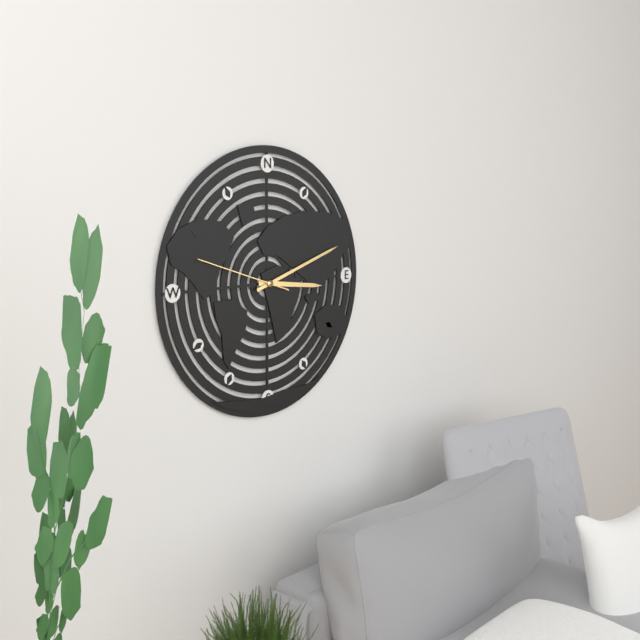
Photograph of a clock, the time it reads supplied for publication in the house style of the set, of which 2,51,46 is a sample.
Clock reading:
3,12,48
